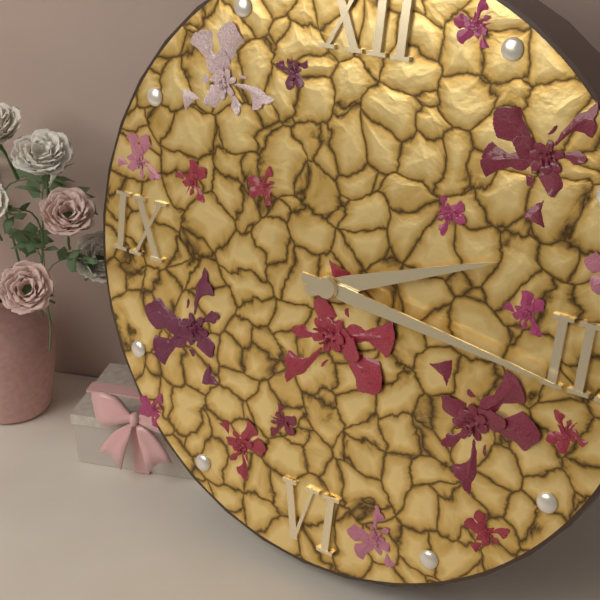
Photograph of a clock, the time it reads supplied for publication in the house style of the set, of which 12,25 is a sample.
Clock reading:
2,16
